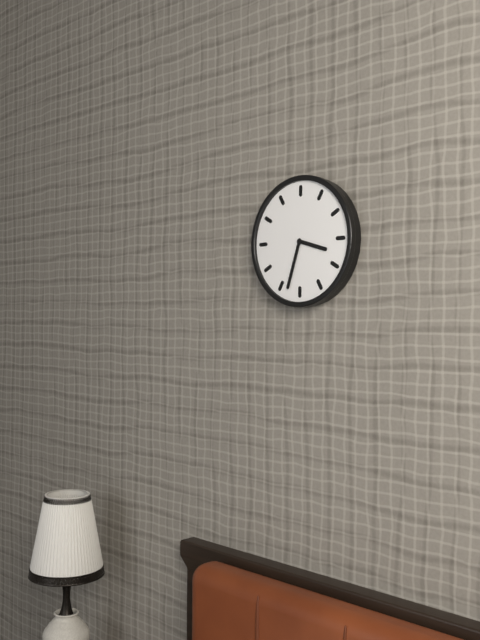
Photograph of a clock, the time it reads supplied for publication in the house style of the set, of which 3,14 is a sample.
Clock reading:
3,33
